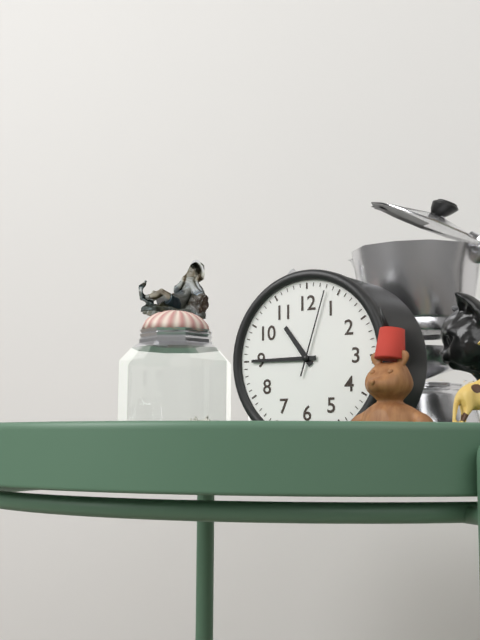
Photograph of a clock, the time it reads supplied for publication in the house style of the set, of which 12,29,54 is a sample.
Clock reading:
10,45,03
